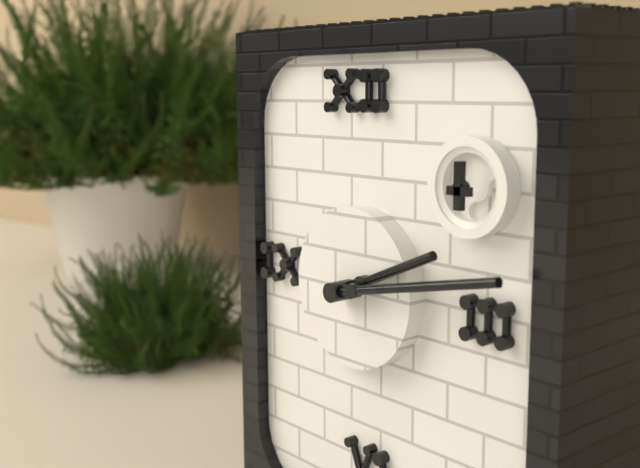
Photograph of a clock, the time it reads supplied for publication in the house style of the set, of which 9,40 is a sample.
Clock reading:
2,13
